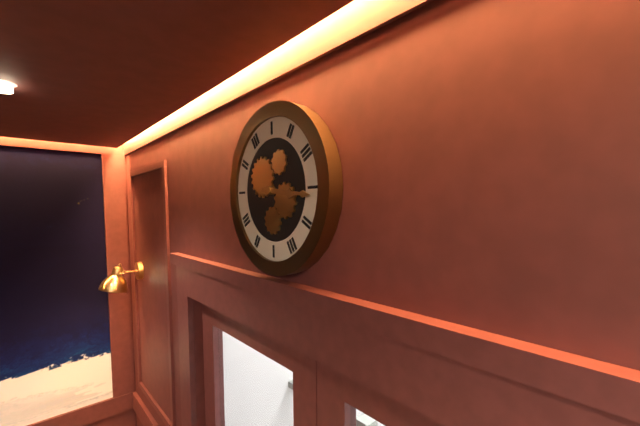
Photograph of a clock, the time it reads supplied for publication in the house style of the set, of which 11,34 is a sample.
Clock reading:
3,16
